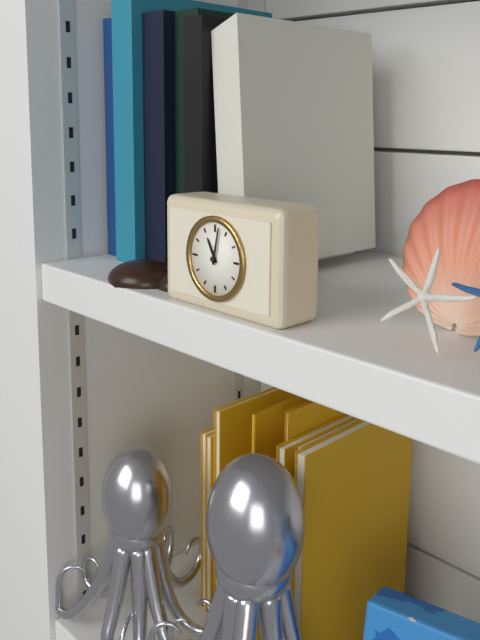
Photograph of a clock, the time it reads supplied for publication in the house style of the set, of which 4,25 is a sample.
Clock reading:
11,02
